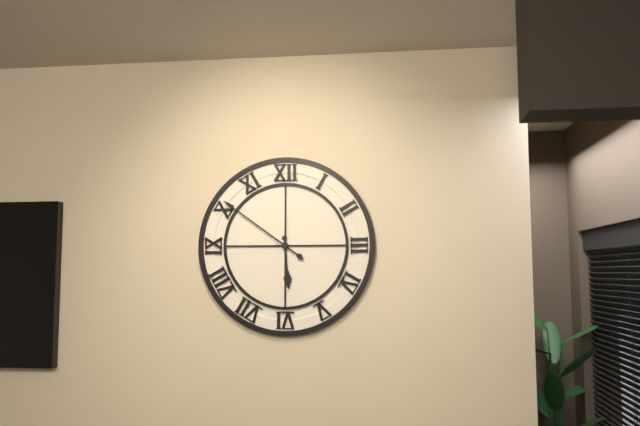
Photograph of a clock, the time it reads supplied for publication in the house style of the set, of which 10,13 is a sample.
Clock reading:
5,51
